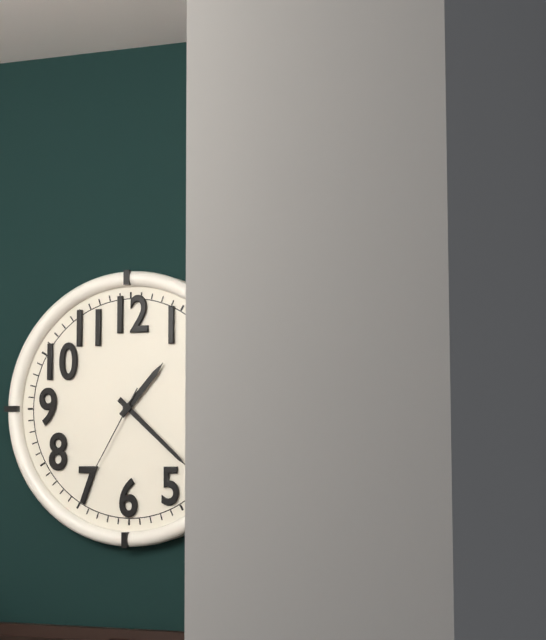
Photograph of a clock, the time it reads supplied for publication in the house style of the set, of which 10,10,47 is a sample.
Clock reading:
1,22,35
